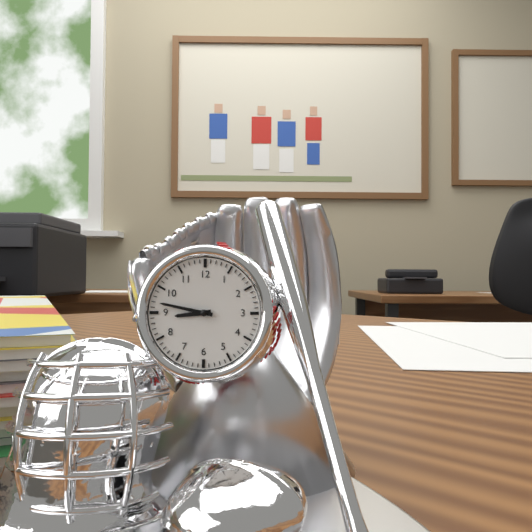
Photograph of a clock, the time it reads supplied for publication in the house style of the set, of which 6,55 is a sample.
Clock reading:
8,47
